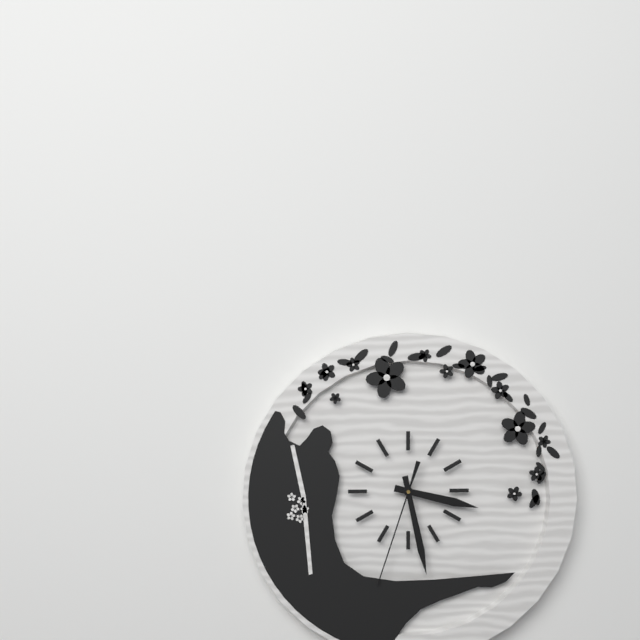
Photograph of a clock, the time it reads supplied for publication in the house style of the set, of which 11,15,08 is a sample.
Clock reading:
3,28,33
